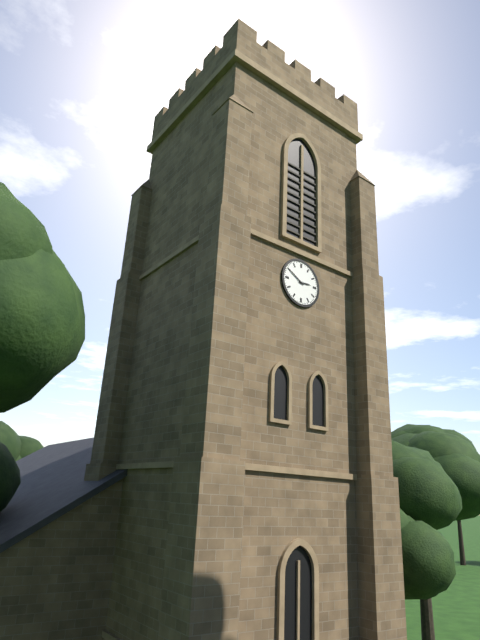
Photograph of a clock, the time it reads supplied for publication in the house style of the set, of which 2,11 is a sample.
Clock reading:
2,50
